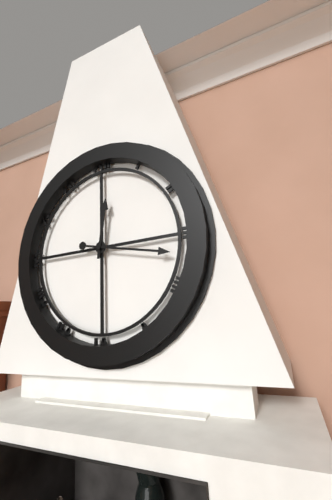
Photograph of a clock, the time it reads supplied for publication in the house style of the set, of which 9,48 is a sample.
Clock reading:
12,17
